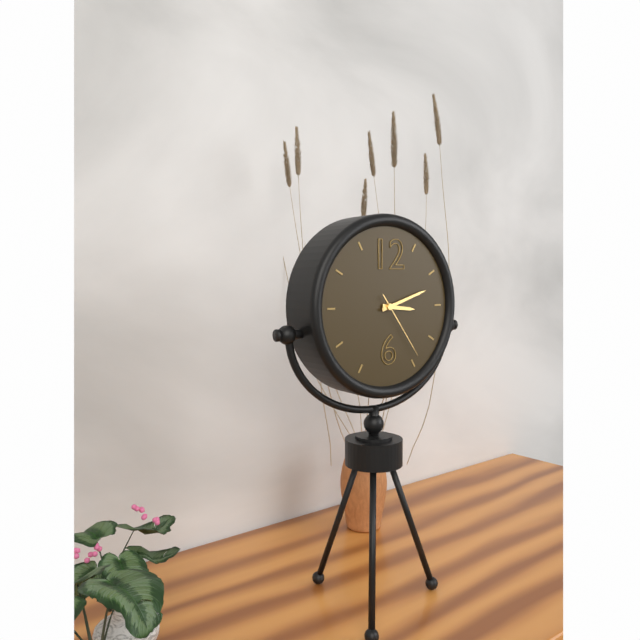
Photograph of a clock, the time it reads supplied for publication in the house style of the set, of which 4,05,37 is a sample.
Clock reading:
3,12,24
